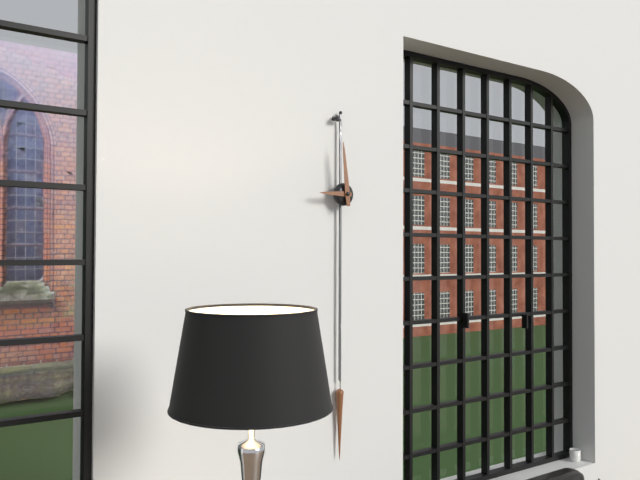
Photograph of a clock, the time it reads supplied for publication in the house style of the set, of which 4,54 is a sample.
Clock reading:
8,59
